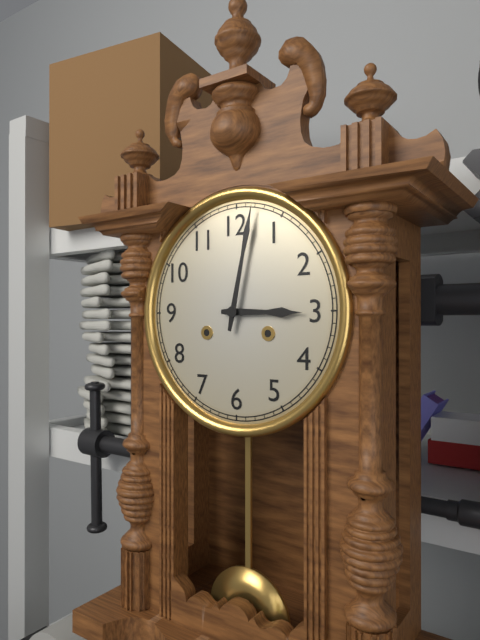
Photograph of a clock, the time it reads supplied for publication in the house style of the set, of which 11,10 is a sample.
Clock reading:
3,02
